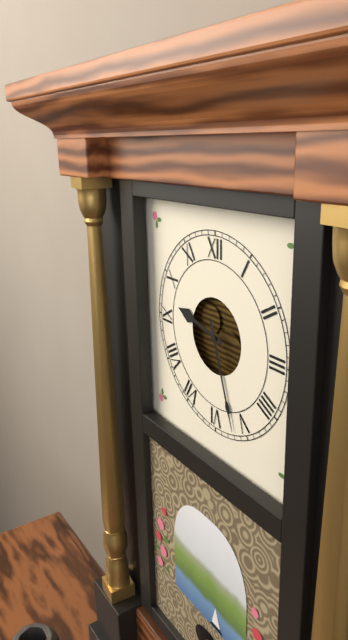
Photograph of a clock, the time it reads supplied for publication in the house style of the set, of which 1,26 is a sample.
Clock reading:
9,27
